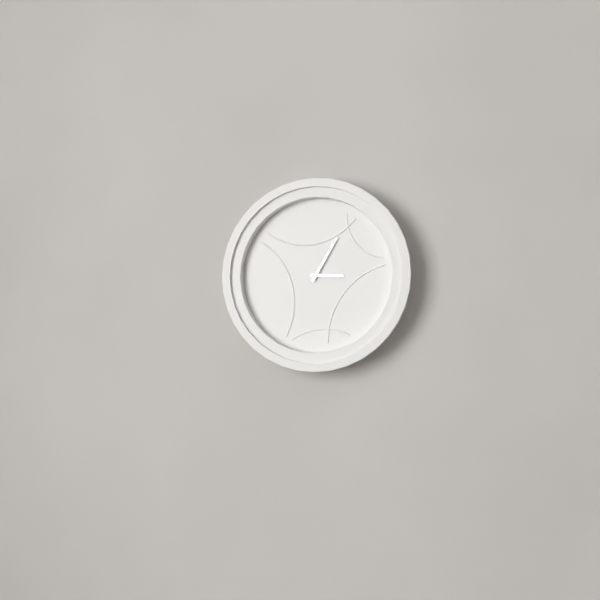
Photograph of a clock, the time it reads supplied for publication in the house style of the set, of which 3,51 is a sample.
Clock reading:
3,05
